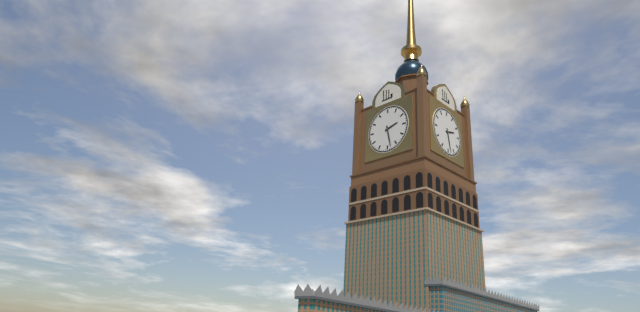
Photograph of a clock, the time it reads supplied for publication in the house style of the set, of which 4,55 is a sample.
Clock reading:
2,28
